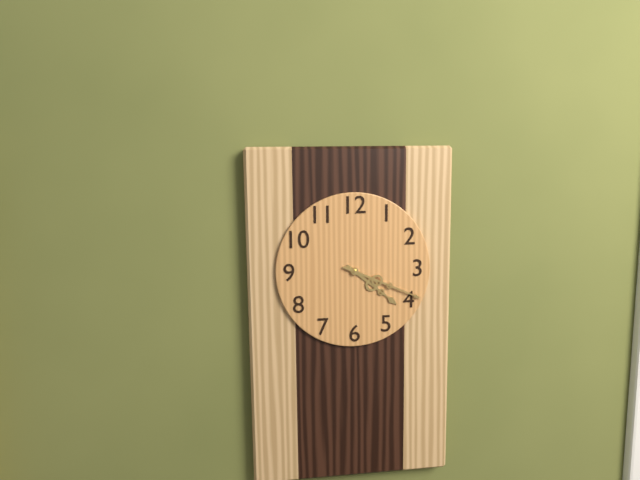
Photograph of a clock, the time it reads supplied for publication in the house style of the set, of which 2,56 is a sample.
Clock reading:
4,19
